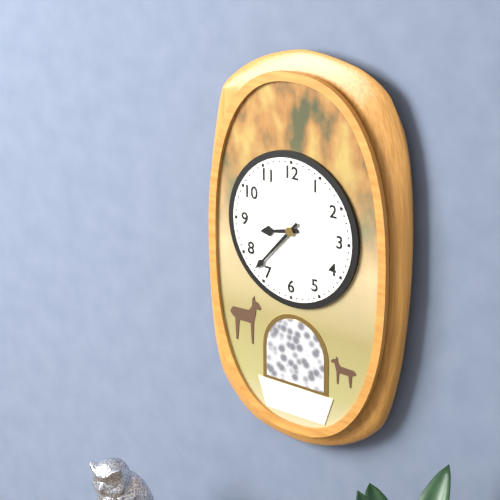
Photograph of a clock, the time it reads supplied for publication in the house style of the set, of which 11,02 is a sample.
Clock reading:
8,37
